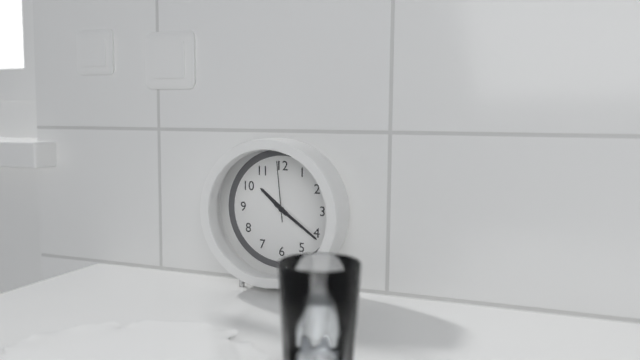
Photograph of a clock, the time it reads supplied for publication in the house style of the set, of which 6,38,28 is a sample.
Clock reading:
10,21,59
